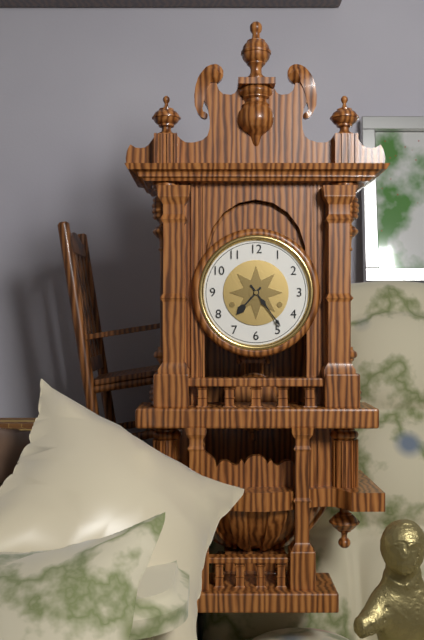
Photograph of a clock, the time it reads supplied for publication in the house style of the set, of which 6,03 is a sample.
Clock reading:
7,24
